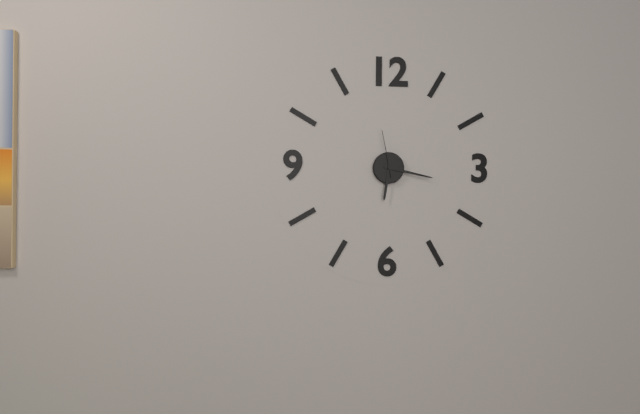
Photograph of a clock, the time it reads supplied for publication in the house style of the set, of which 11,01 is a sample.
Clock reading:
6,17
